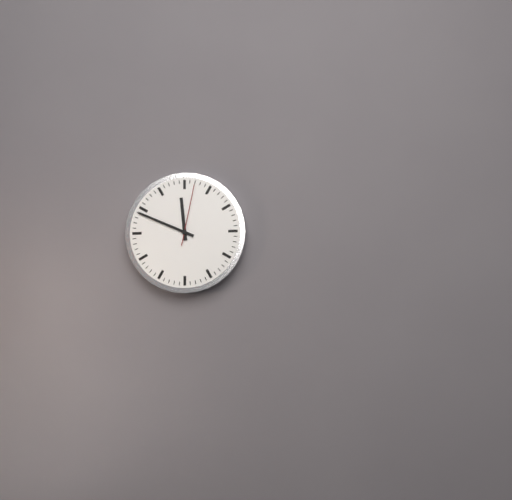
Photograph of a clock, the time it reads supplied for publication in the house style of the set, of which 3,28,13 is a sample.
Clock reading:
11,49,02
